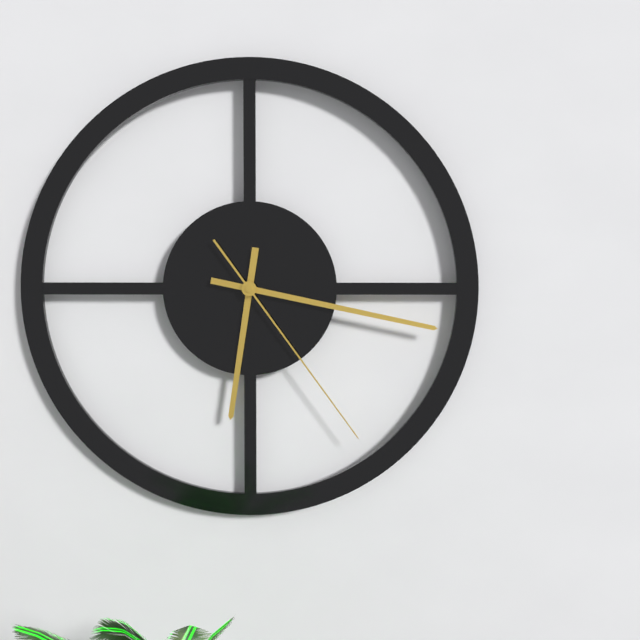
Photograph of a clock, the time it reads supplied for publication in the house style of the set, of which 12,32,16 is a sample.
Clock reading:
6,17,24
